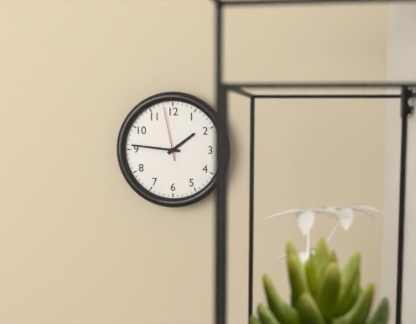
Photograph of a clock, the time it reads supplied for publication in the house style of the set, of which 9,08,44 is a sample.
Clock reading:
1,46,58
